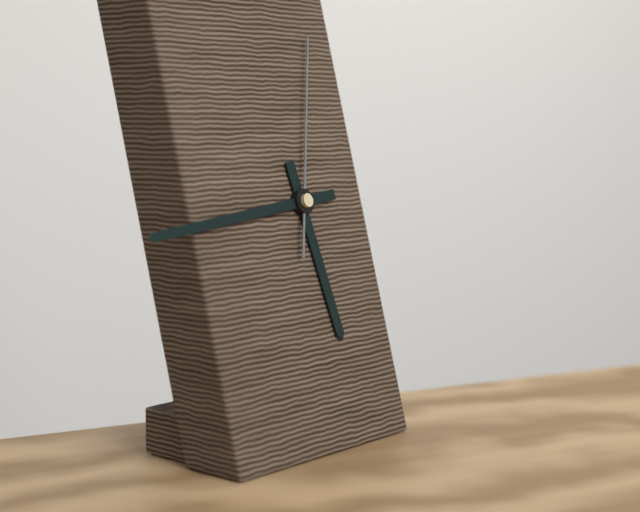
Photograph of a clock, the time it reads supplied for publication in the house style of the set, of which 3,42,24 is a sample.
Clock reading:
5,44,03
